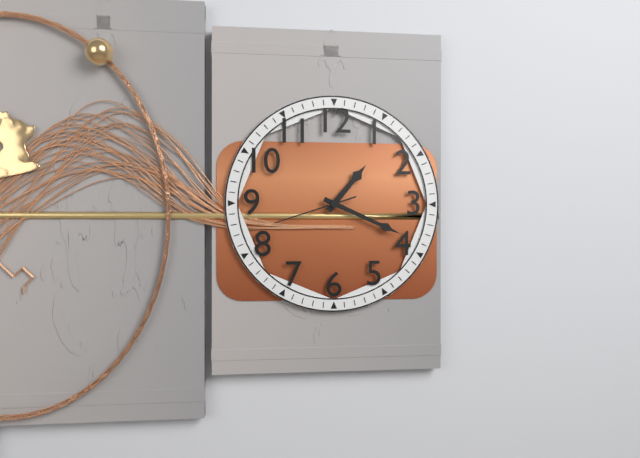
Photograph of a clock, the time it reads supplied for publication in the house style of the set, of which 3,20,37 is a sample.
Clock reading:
1,19,42
